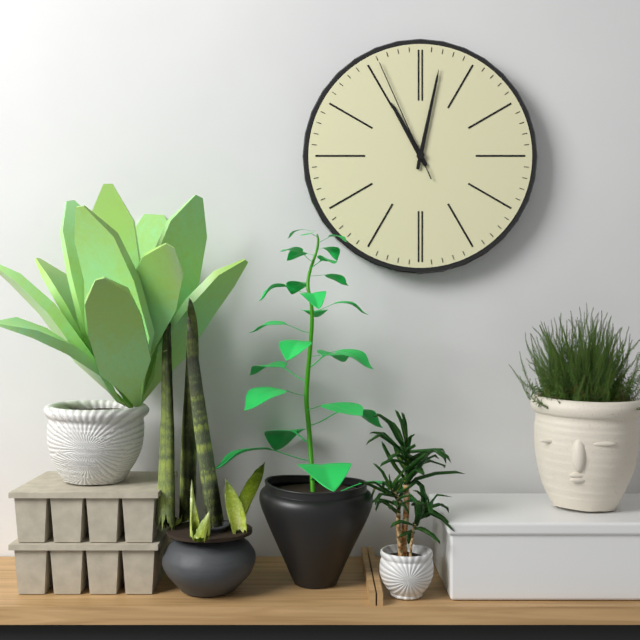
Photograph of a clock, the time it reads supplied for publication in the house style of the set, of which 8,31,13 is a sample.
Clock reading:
11,02,56
